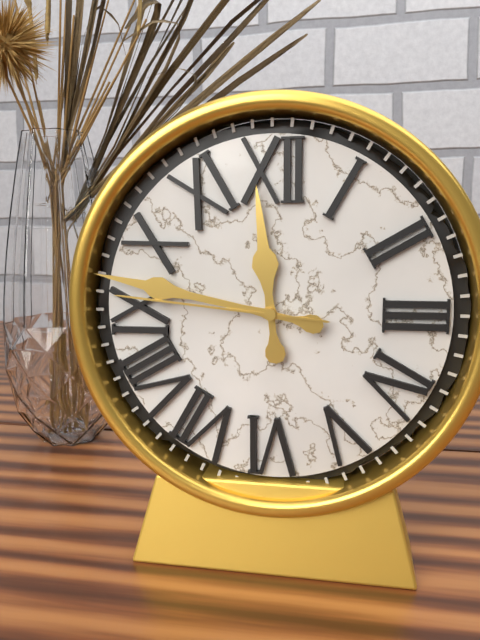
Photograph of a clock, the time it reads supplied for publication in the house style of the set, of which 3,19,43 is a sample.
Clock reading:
11,47,46
